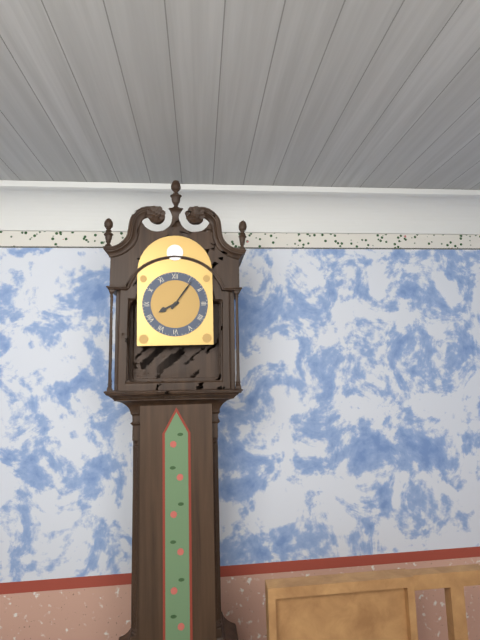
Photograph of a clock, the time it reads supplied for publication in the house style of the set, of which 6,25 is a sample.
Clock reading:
8,06
